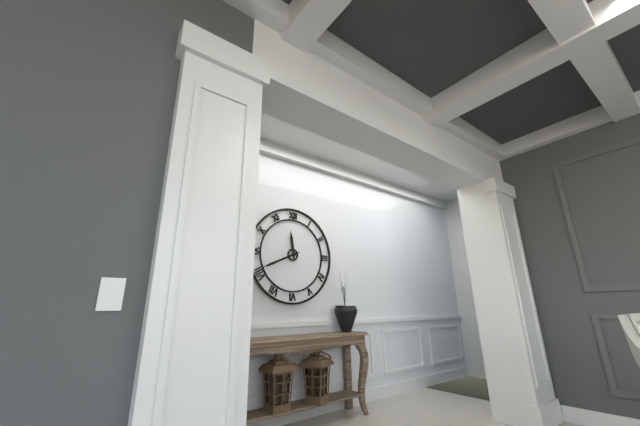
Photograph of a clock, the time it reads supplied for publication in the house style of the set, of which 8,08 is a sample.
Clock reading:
11,41
